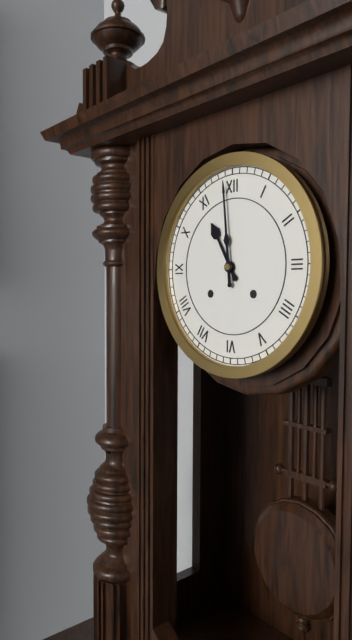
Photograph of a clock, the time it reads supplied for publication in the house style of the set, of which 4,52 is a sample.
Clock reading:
10,59
